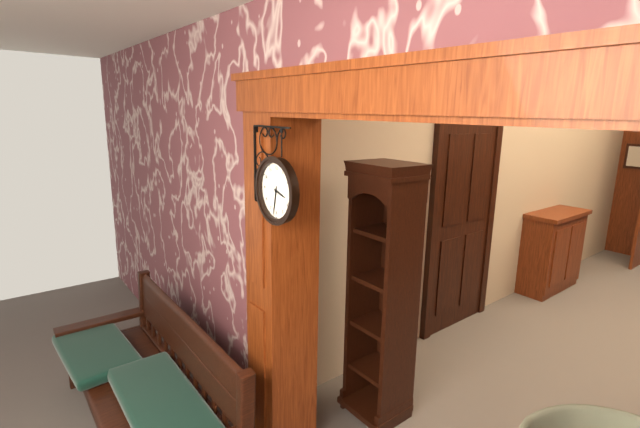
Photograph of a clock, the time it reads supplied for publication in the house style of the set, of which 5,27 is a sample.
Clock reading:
3,32
